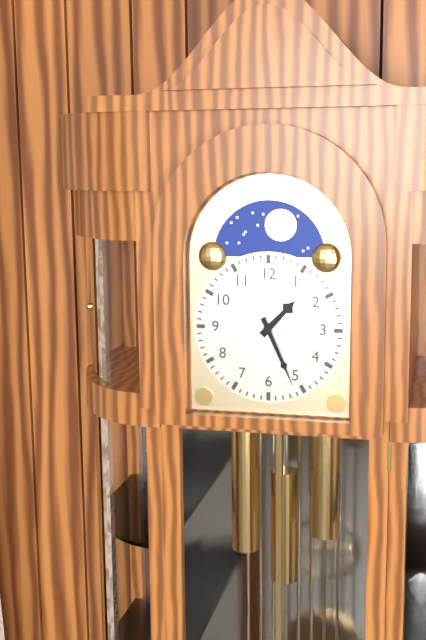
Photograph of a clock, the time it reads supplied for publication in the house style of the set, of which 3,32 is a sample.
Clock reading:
1,26
